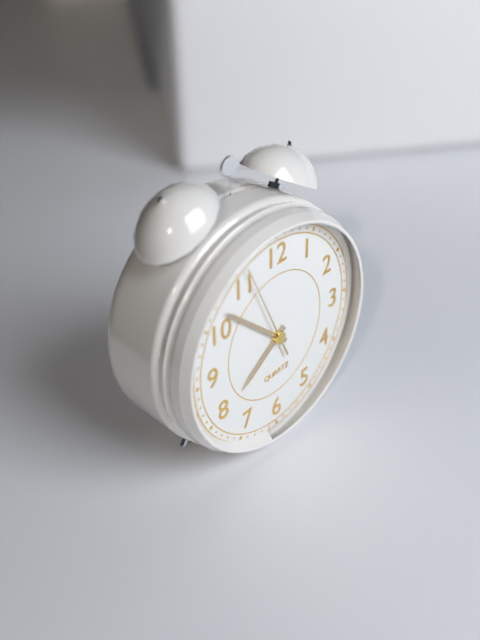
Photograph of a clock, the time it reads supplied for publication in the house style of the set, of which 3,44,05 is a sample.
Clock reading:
7,52,56
